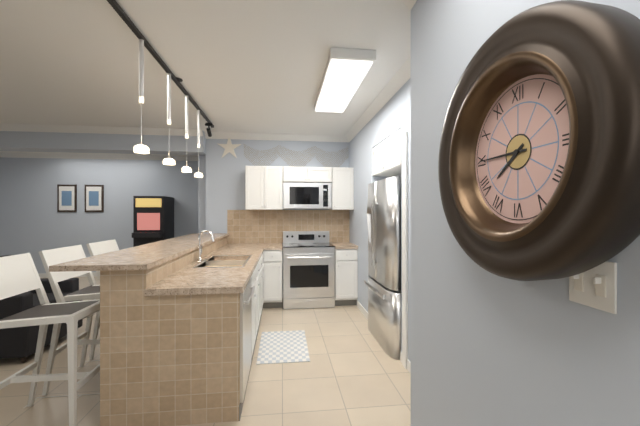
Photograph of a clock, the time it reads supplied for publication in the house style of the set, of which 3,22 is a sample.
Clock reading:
7,45
